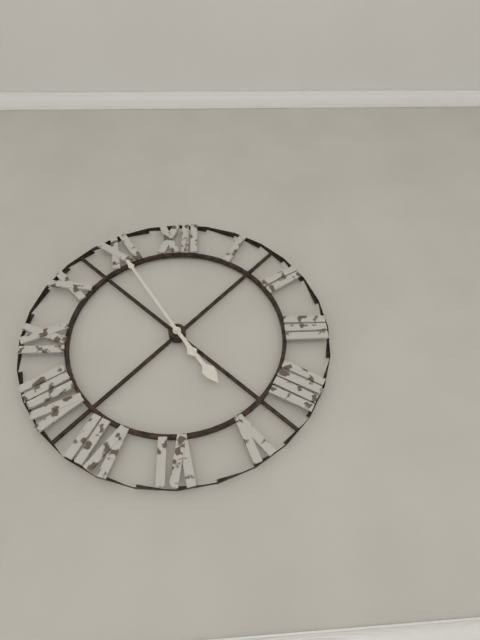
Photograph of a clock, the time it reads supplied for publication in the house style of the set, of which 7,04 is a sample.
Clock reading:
4,55
